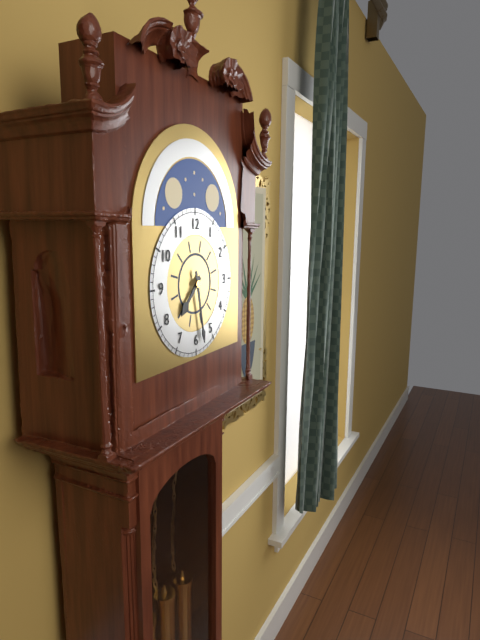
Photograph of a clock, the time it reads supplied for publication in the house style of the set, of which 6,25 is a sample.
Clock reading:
7,28
